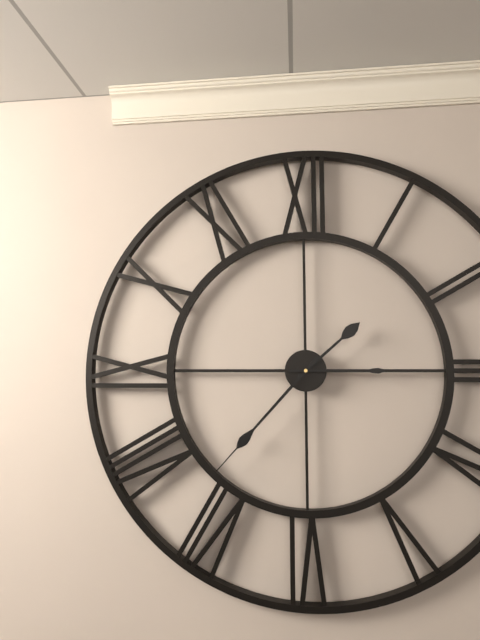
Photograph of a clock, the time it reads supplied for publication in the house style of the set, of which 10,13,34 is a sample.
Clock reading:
1,37,15
